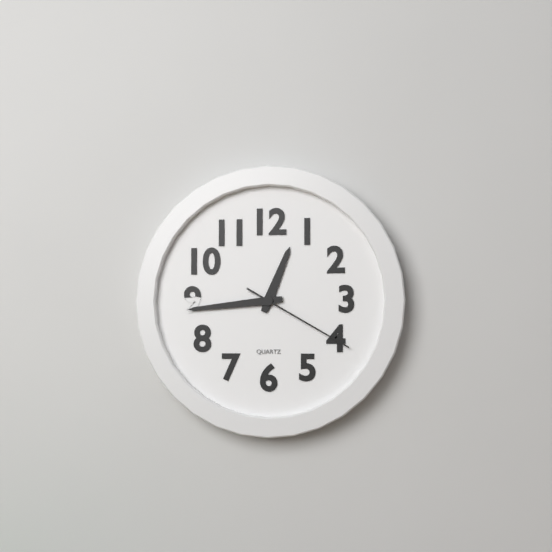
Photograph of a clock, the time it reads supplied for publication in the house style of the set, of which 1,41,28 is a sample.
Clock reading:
12,44,20
